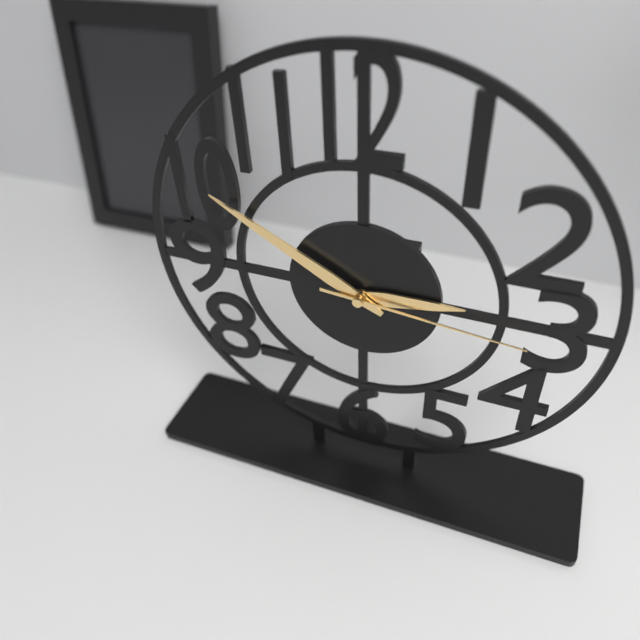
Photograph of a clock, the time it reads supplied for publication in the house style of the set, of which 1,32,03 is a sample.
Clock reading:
2,50,16
